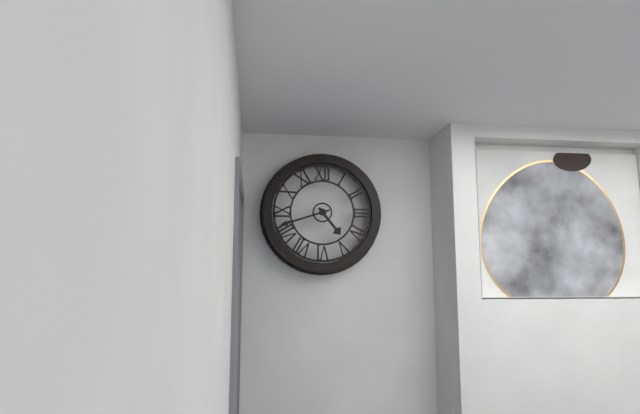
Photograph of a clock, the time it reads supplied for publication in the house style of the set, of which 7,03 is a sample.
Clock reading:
4,42
